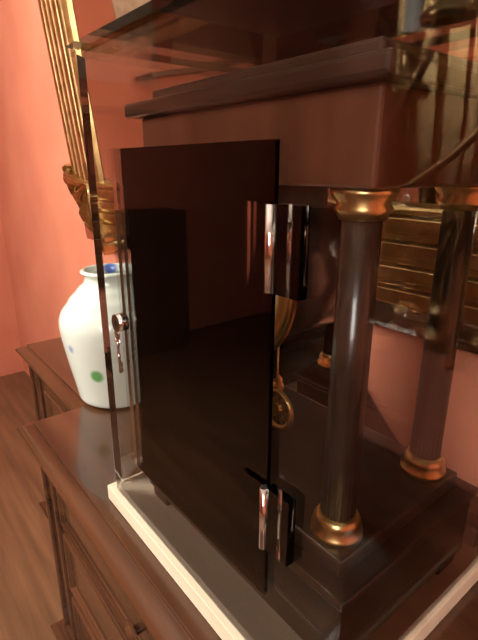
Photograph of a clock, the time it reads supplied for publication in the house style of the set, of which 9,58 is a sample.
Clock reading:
6,05
